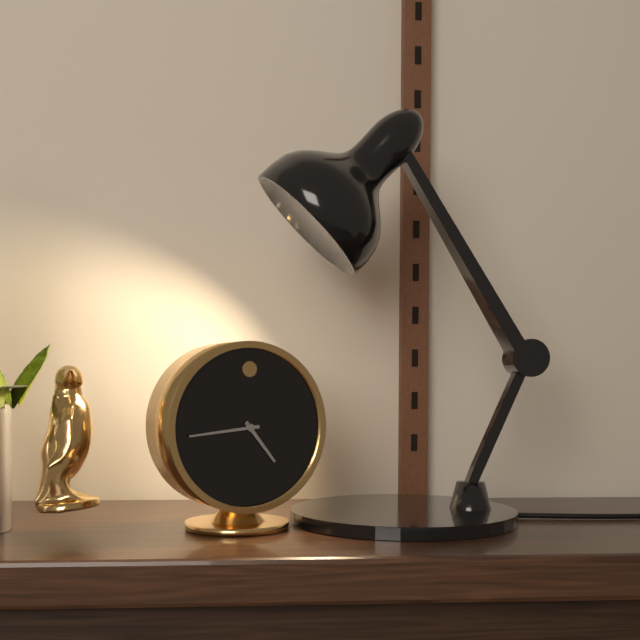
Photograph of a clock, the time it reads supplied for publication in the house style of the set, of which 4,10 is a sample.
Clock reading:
4,44
